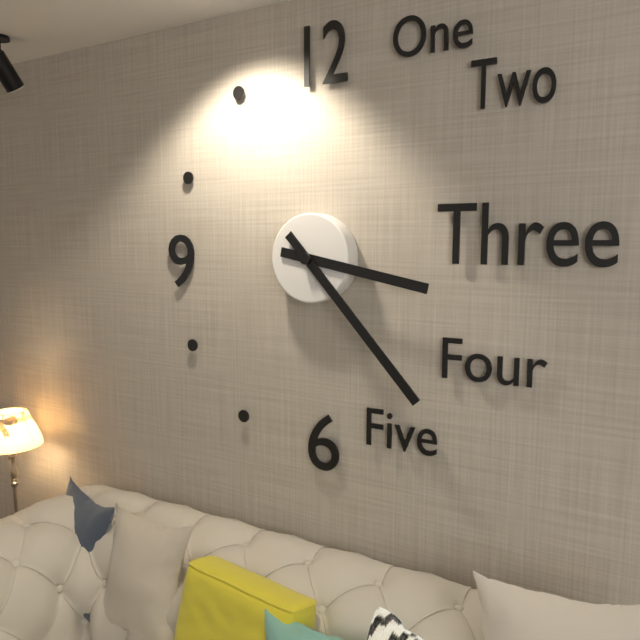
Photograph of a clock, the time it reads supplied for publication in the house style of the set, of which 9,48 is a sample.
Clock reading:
3,23
